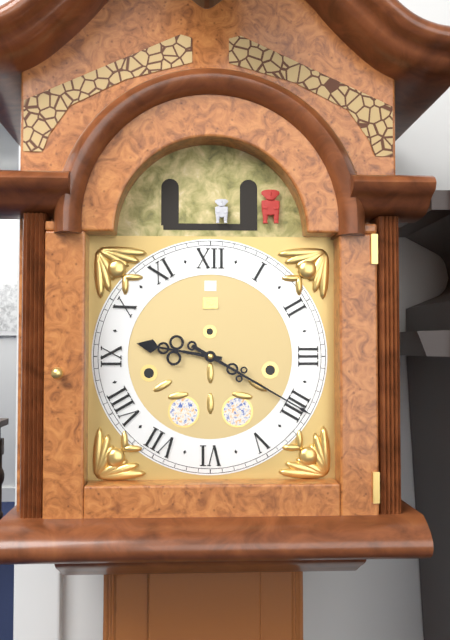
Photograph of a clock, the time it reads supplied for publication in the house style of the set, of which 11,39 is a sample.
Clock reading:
9,20
